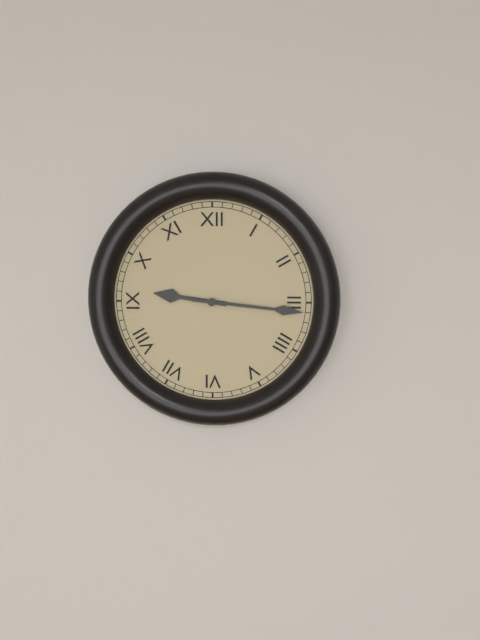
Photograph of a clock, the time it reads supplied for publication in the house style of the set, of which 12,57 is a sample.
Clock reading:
9,16
